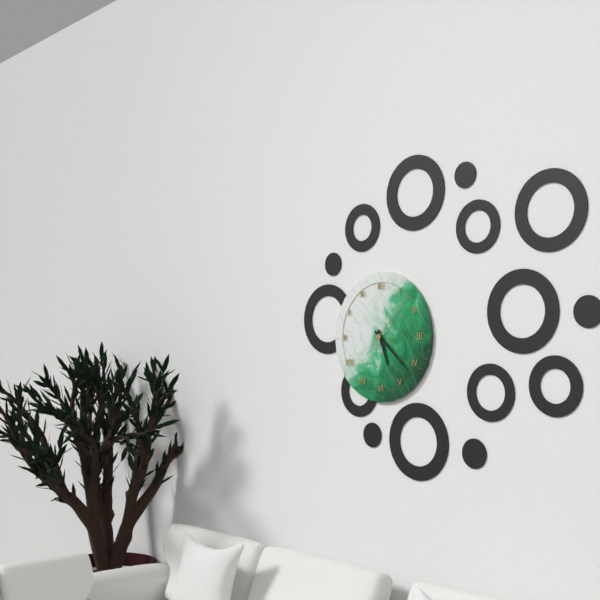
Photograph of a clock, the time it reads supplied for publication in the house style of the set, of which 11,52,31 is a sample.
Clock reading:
5,22,07
